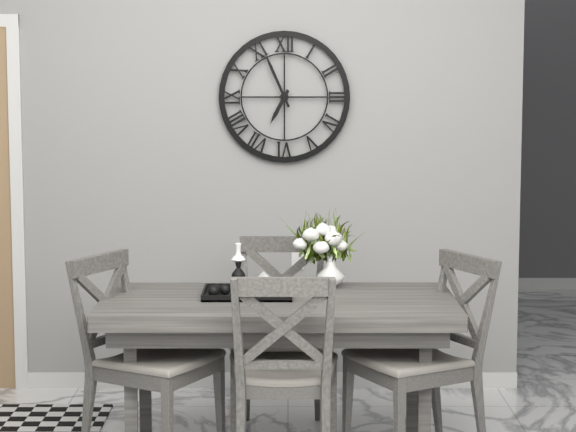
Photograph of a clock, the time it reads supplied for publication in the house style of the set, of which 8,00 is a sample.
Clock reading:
6,56
